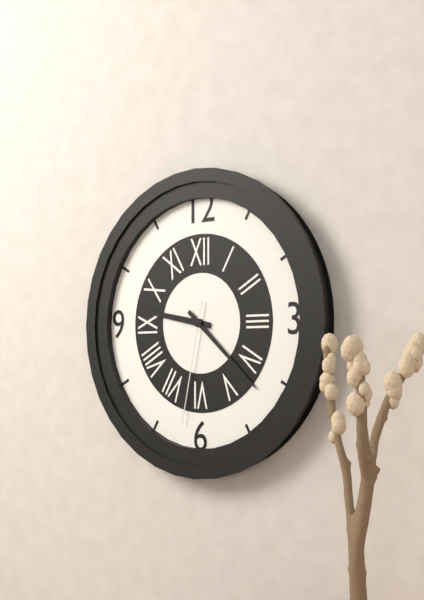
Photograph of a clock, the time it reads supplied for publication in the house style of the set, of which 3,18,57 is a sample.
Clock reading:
9,22,32
